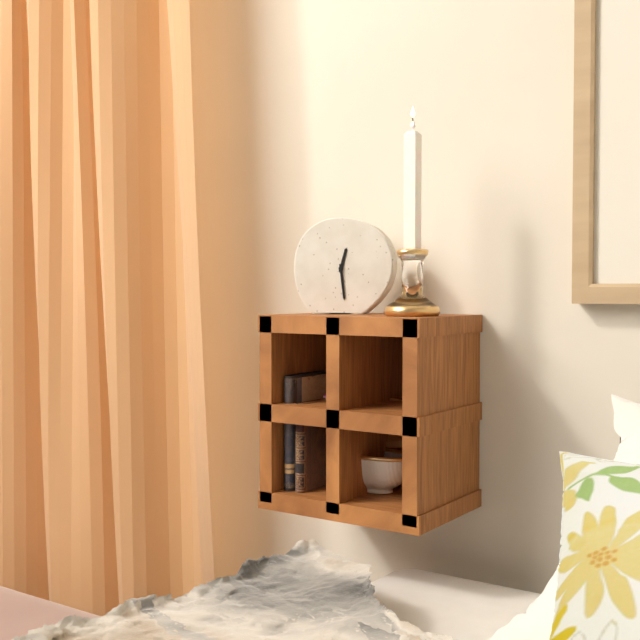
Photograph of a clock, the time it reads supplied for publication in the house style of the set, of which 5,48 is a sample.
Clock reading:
12,29
